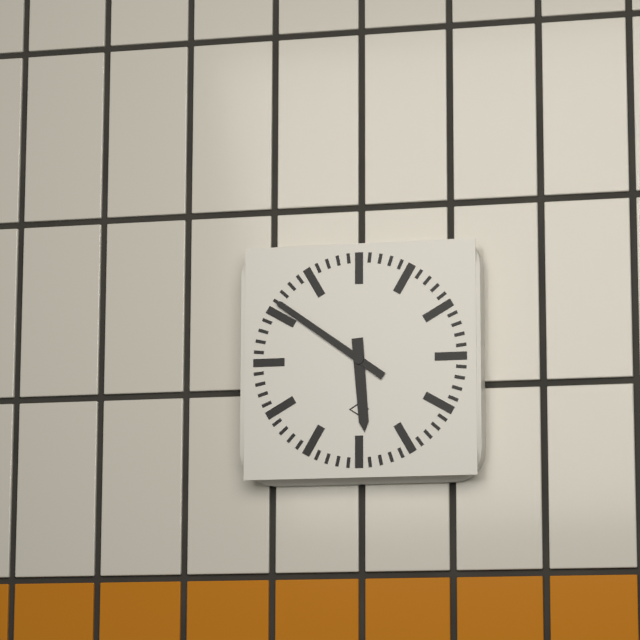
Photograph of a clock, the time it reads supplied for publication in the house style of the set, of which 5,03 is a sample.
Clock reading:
5,51
